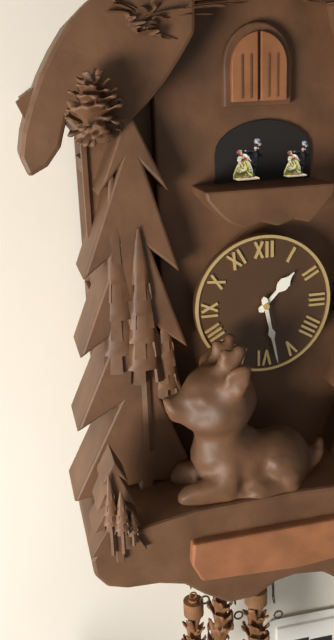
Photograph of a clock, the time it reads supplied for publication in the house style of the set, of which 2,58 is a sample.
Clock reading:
1,28
